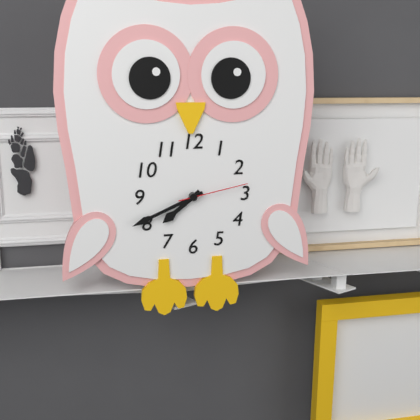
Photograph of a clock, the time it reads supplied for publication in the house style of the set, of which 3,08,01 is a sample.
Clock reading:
7,41,13
